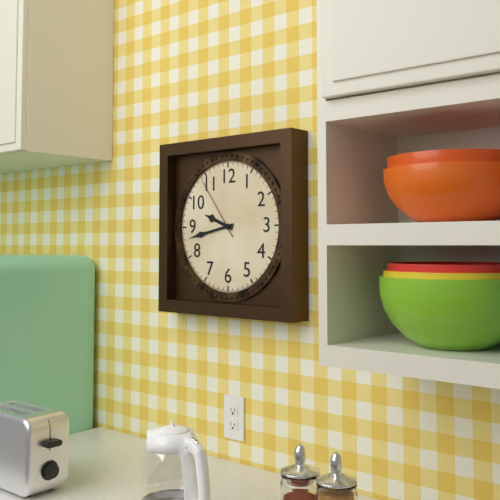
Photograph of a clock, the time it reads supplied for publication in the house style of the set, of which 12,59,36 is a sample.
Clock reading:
9,43,54
